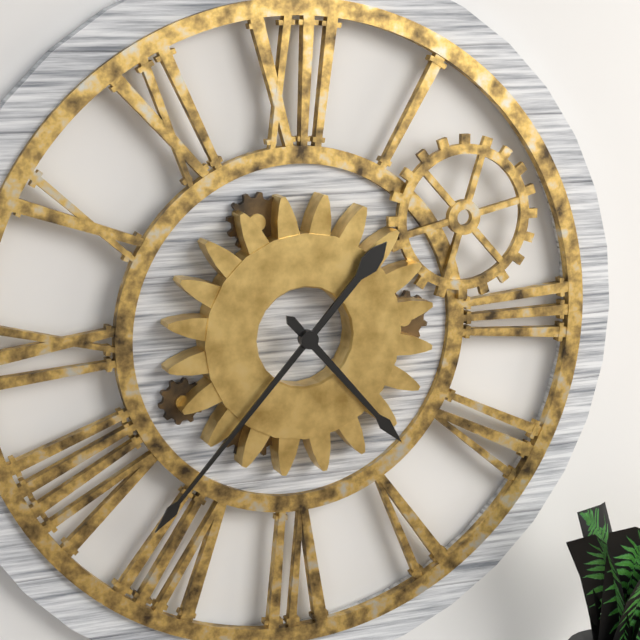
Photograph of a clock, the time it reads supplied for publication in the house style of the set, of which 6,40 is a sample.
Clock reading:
4,37
